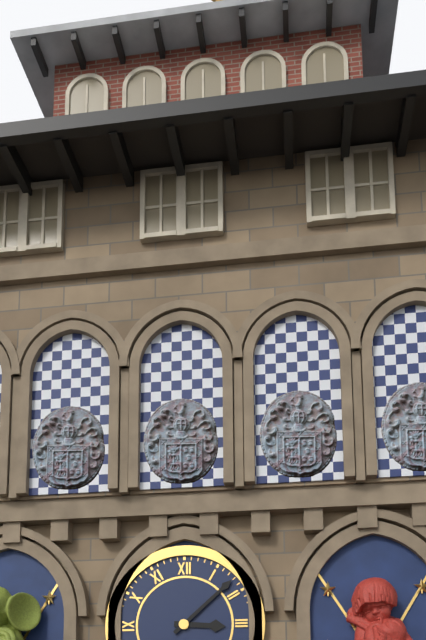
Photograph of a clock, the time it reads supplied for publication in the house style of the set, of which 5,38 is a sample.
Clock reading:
3,08
